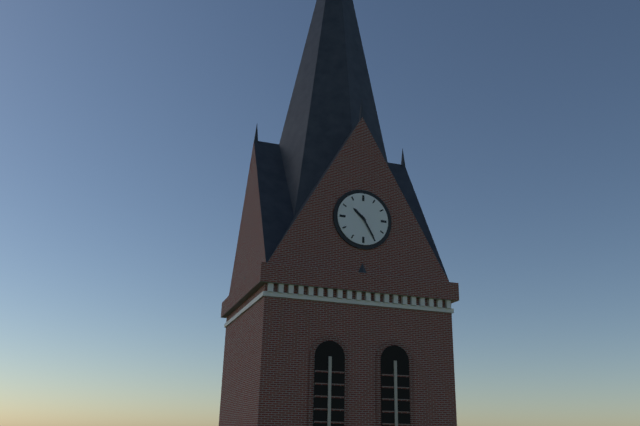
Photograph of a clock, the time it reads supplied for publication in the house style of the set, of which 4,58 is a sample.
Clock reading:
10,25
